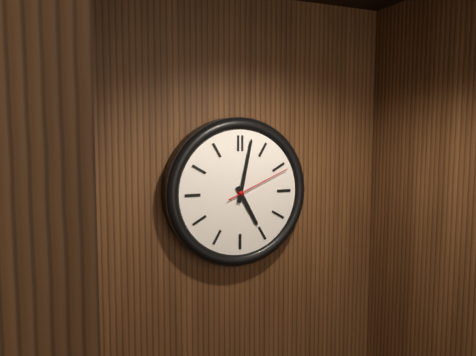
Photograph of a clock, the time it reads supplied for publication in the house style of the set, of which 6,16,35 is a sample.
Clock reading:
5,02,11
